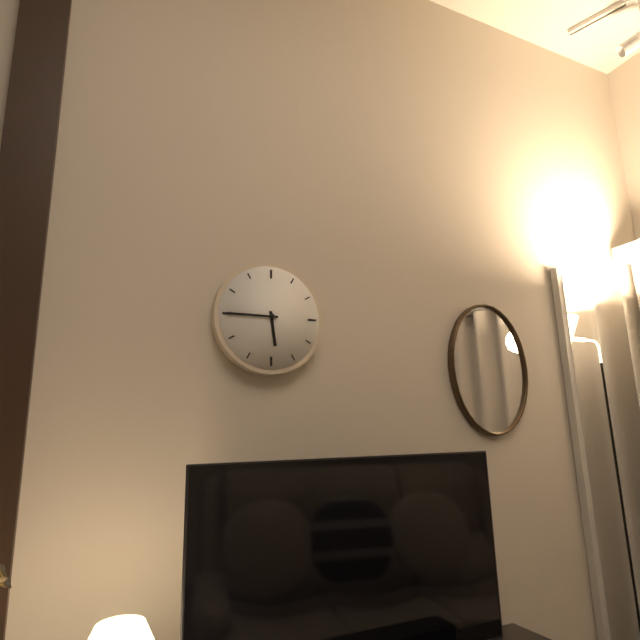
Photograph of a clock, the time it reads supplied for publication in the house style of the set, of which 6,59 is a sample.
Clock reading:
5,45
